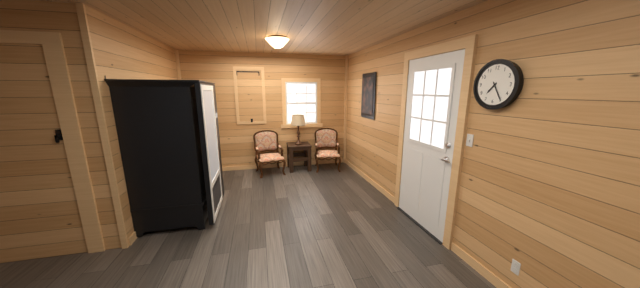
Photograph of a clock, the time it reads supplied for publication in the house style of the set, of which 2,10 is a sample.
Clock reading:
7,25
